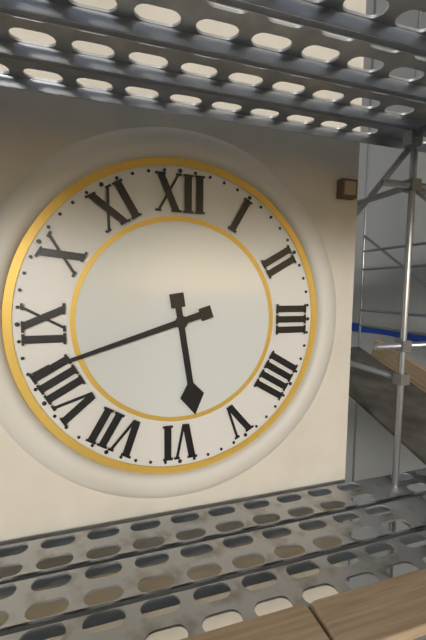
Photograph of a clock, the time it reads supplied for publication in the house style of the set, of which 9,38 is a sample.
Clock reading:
5,42
